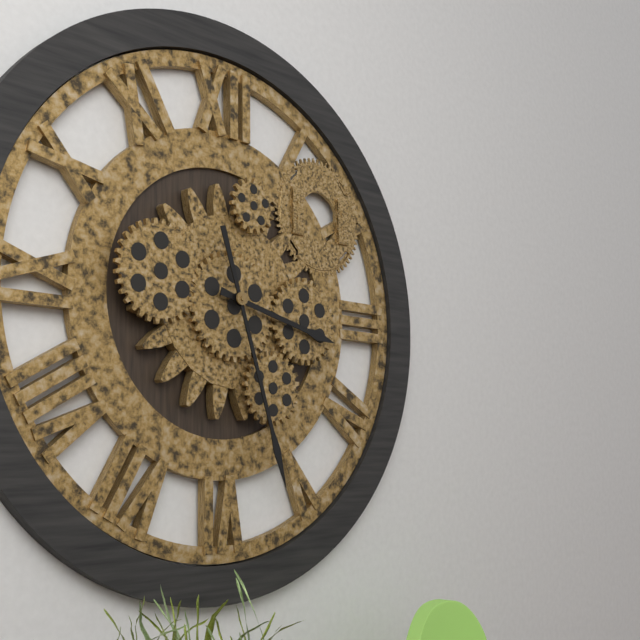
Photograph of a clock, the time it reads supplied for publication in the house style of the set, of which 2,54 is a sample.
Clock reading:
3,27
